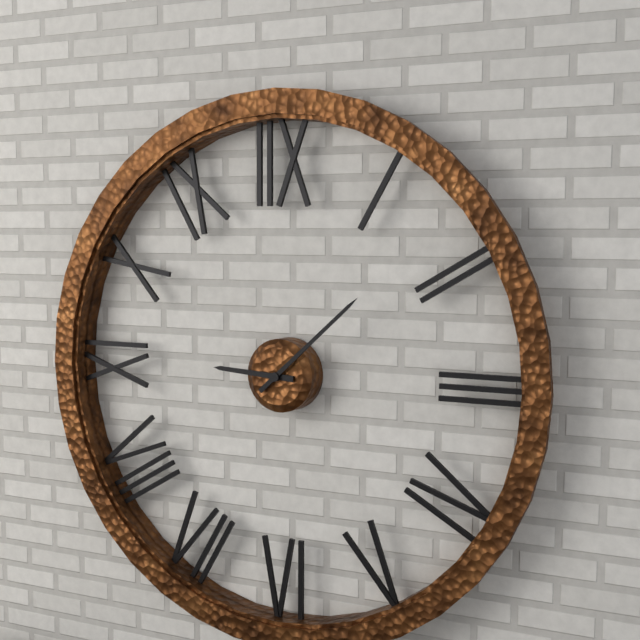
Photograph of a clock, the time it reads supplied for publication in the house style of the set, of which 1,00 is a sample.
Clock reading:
9,08
